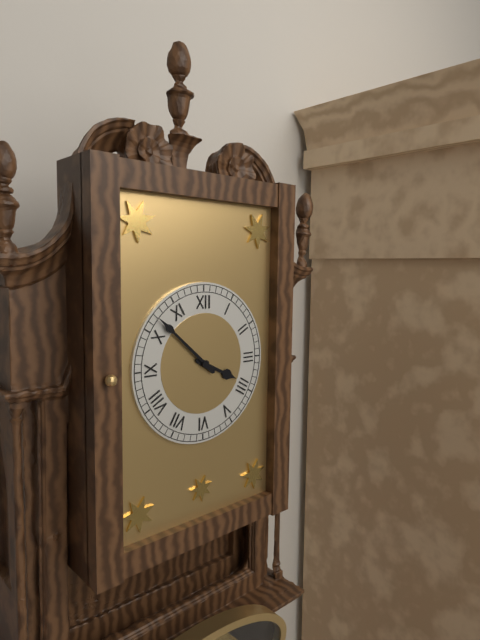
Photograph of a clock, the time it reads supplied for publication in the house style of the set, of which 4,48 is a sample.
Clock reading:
3,52
